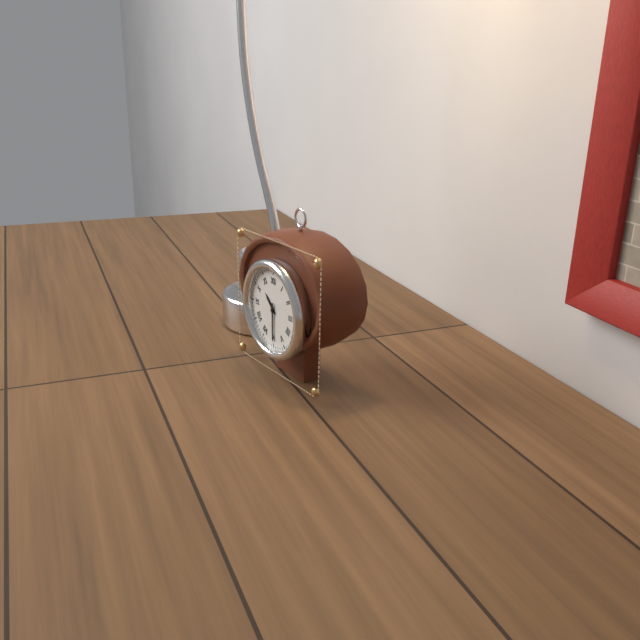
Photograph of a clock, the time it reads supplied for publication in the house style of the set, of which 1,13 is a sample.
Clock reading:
10,30
